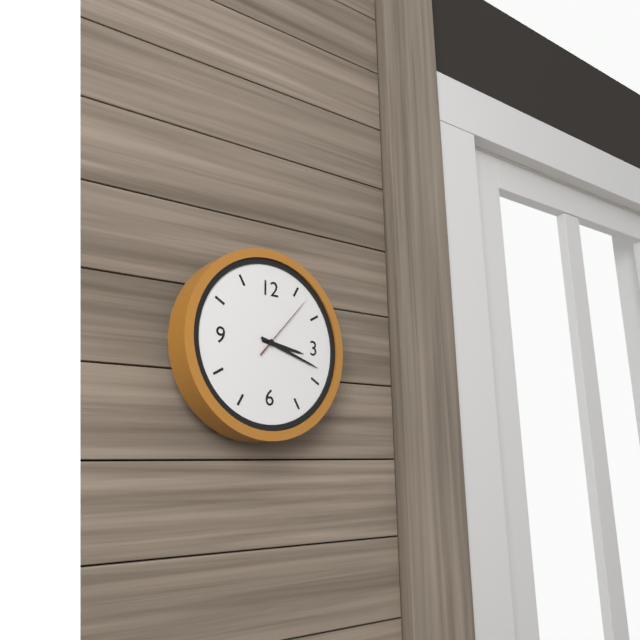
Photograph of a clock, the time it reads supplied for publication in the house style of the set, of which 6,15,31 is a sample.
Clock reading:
3,18,07
